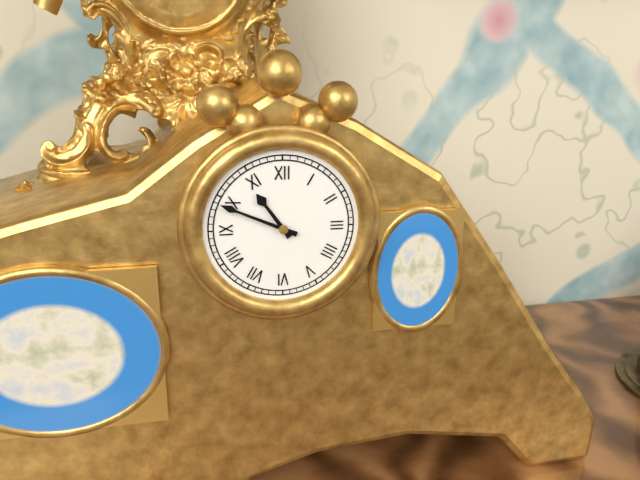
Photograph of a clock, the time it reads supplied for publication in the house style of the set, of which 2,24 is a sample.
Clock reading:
10,49
